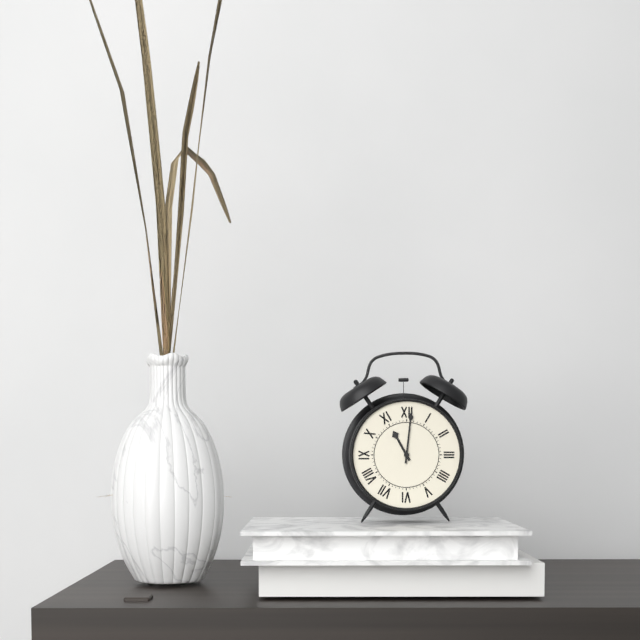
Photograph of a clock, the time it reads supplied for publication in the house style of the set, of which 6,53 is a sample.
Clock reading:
11,01
